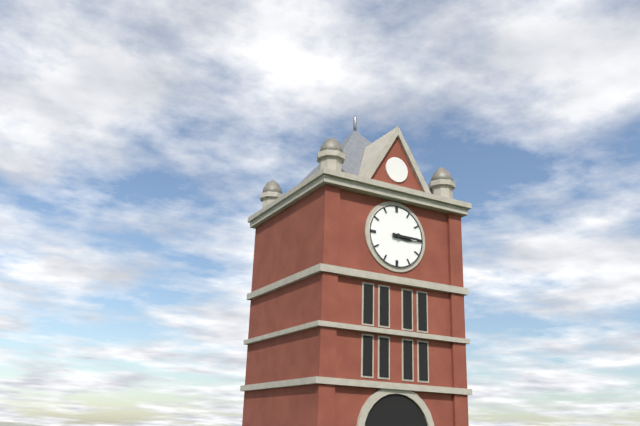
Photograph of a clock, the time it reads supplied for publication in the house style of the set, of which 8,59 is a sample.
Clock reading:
3,15
